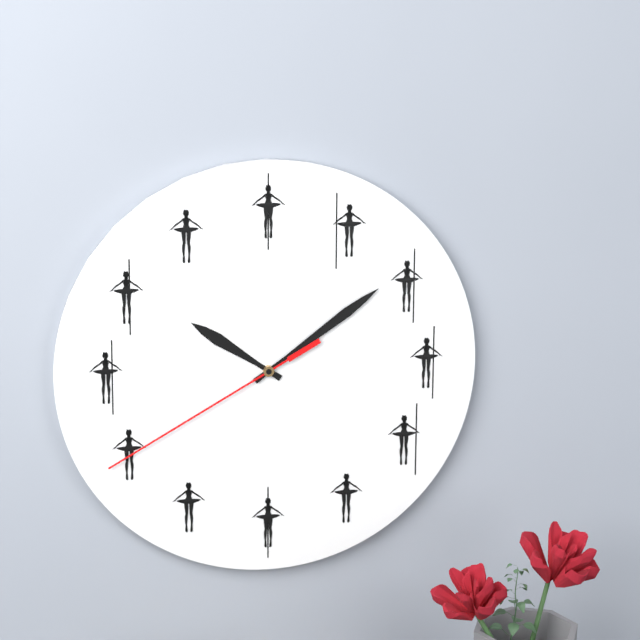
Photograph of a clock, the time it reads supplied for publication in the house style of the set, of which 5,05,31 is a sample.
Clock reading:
10,09,40
